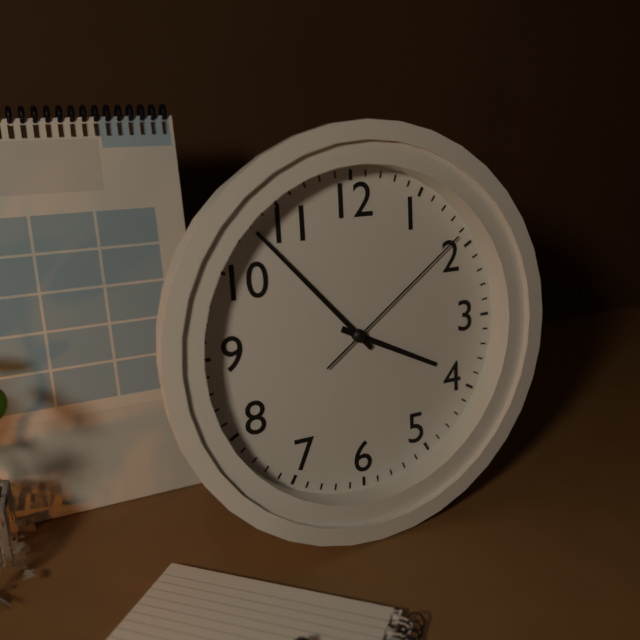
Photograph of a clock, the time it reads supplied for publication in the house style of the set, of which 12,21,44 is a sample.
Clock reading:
3,53,09
